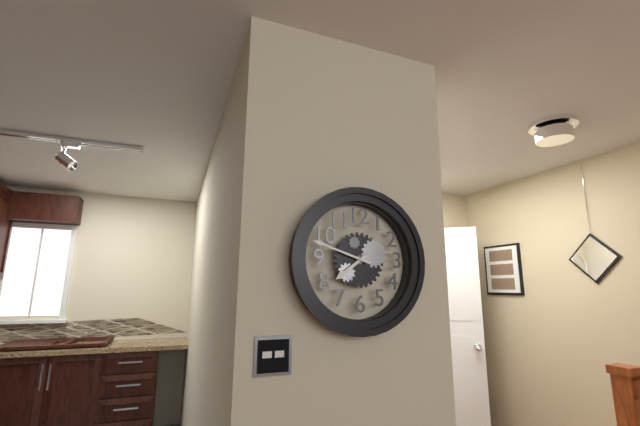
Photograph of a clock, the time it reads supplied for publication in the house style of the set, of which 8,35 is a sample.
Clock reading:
7,48
